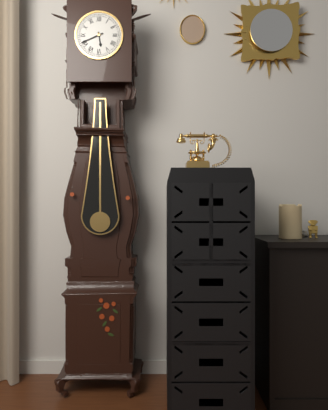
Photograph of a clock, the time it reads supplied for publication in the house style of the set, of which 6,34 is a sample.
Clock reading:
5,41
